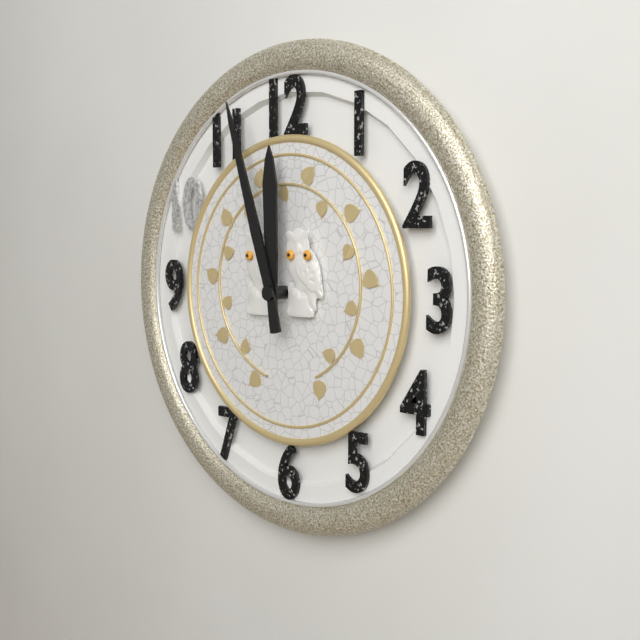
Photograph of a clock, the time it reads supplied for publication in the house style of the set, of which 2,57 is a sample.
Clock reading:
11,57
